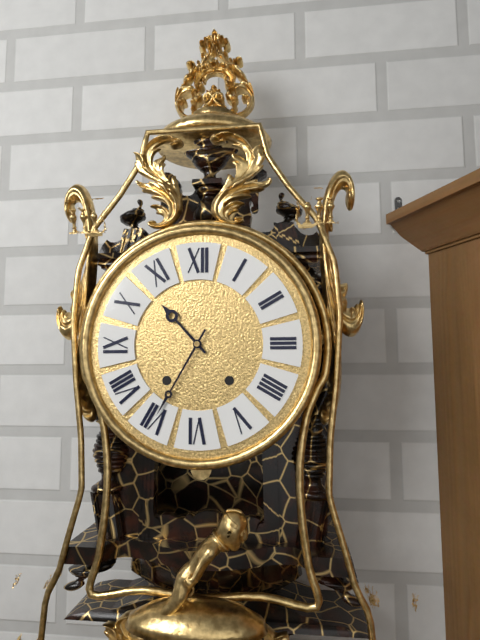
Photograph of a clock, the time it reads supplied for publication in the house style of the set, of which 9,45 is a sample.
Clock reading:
10,35
